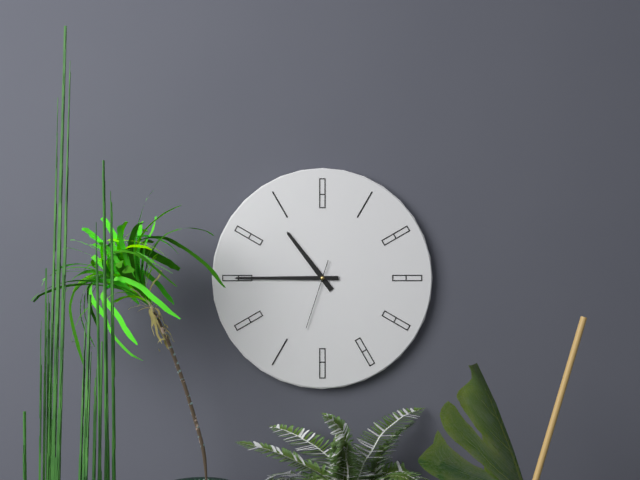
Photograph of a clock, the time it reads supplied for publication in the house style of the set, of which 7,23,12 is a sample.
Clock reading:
10,45,33
